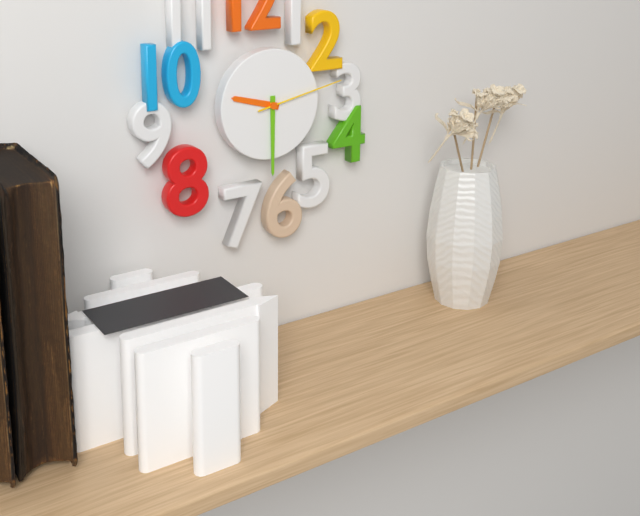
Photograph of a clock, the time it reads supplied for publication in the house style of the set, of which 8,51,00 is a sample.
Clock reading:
9,30,13
